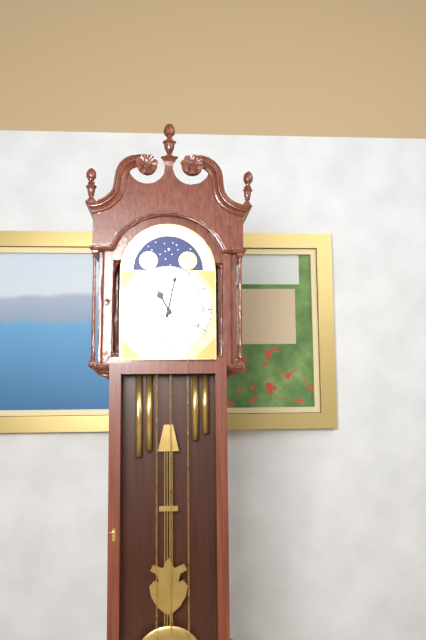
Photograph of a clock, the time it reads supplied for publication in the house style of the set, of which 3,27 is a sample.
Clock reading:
11,02
